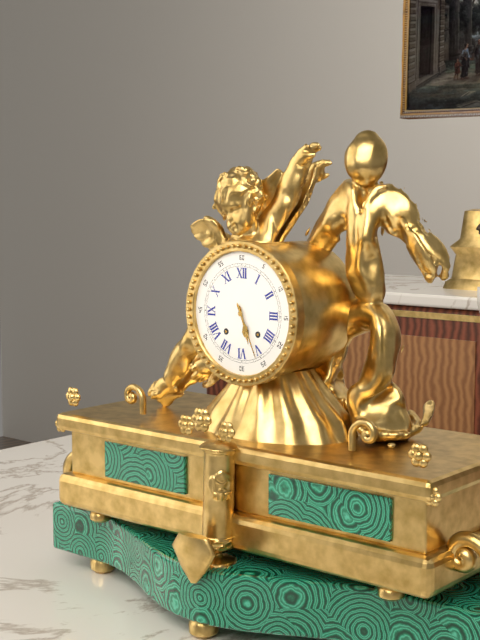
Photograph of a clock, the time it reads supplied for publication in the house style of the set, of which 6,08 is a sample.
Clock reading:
5,26
